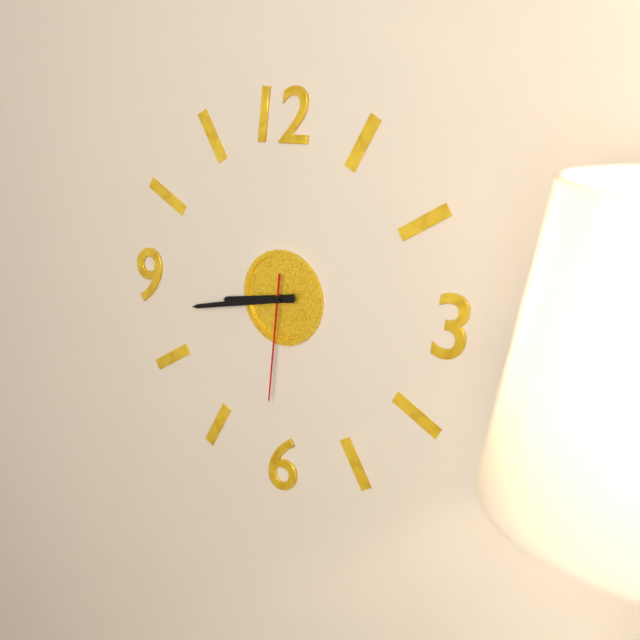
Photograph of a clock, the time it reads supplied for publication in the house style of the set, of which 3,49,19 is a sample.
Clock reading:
8,43,31
